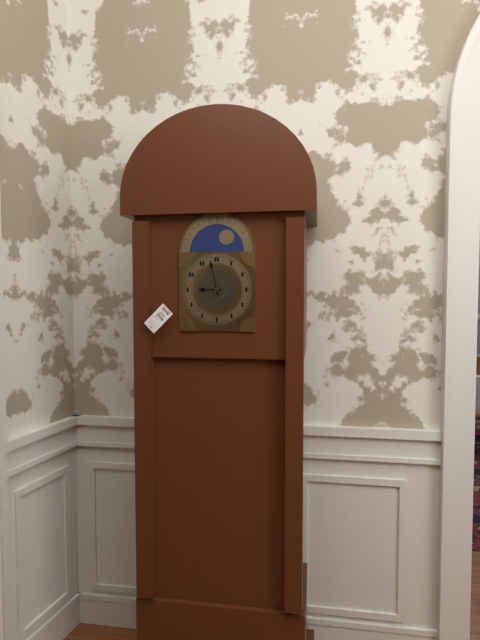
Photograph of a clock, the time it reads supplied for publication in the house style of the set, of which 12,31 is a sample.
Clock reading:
8,58
